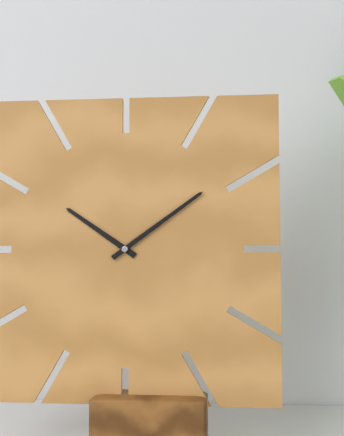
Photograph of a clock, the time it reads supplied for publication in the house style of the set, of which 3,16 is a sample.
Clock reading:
10,09
